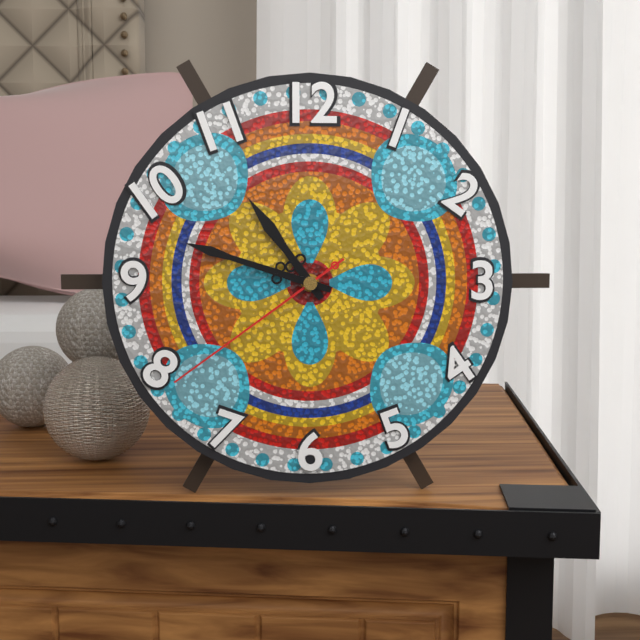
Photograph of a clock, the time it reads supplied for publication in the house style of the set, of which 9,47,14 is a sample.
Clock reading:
10,48,39
